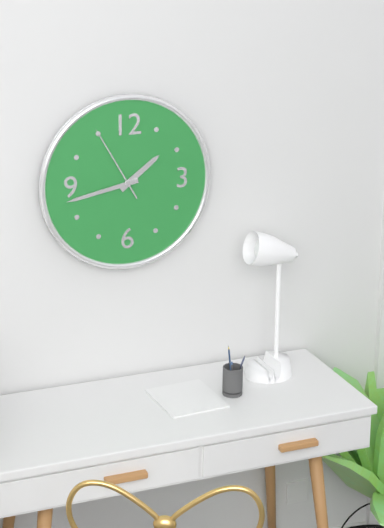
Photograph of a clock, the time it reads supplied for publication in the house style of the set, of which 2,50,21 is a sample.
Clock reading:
1,43,55
